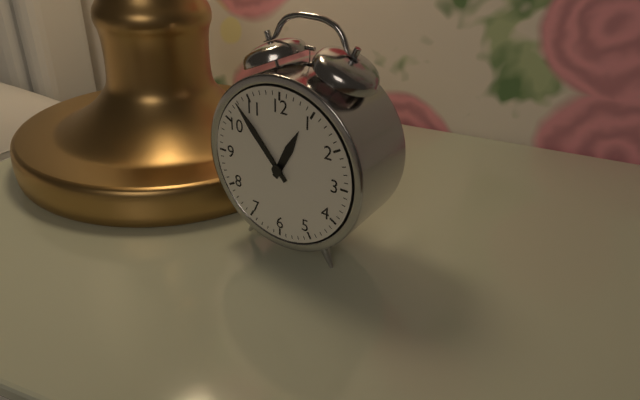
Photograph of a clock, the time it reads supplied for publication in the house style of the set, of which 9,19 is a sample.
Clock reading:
12,53
